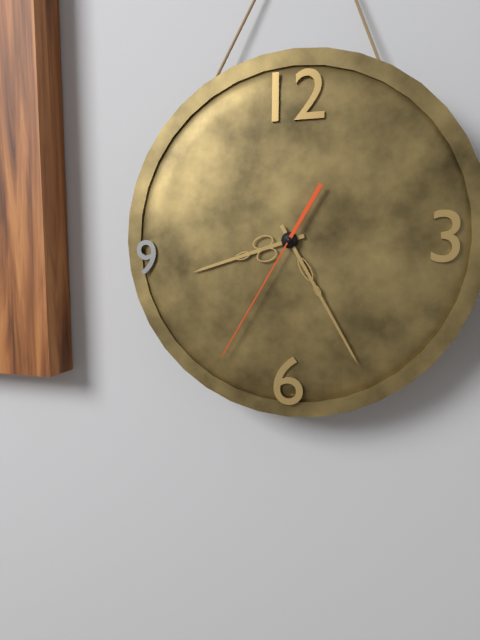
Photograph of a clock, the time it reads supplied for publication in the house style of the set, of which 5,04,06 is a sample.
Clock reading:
8,25,35
